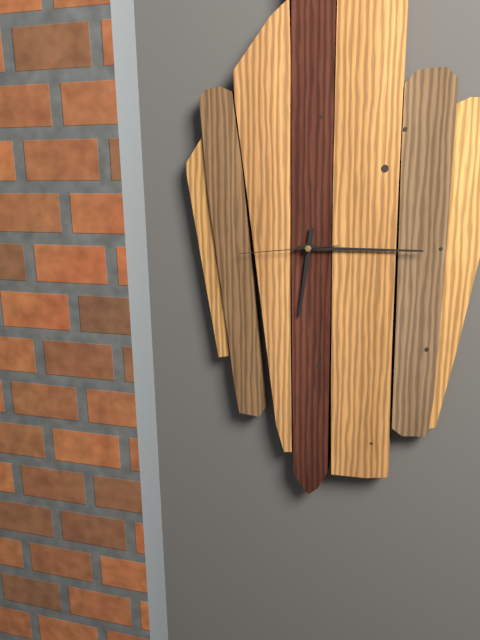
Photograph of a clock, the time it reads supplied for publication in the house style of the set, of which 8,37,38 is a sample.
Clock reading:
6,15,44
